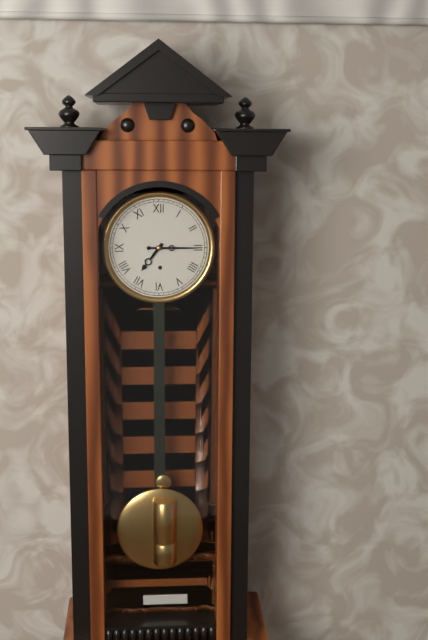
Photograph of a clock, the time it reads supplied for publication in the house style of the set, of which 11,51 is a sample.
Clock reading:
7,15
